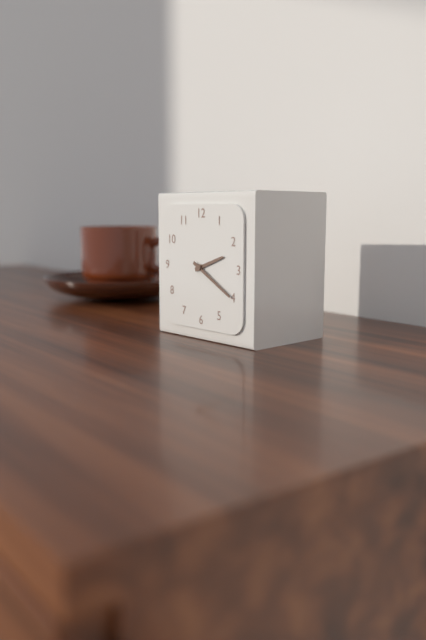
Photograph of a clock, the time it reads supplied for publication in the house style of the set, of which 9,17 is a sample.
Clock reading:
2,20
